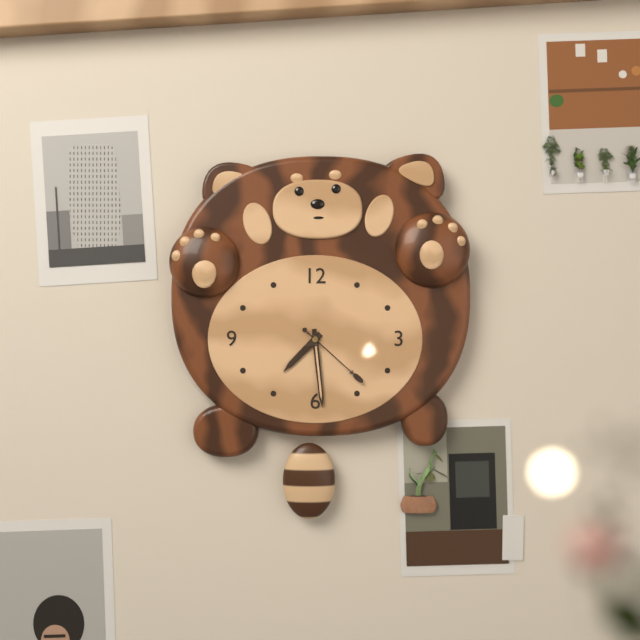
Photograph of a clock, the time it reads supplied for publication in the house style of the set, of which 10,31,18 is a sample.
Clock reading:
7,29,22
